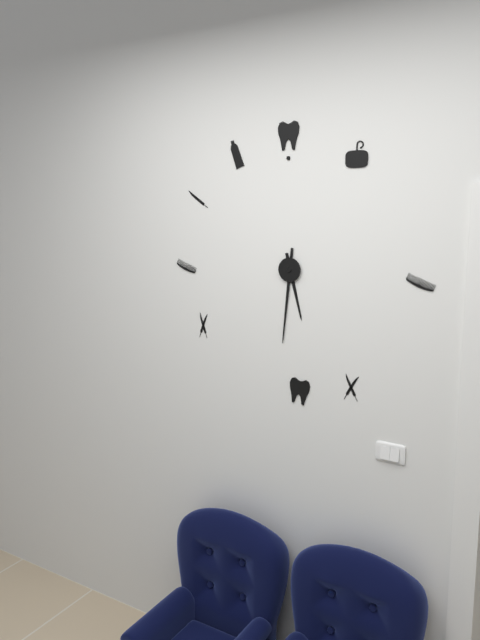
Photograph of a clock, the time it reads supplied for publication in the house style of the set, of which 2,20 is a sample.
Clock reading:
5,31
